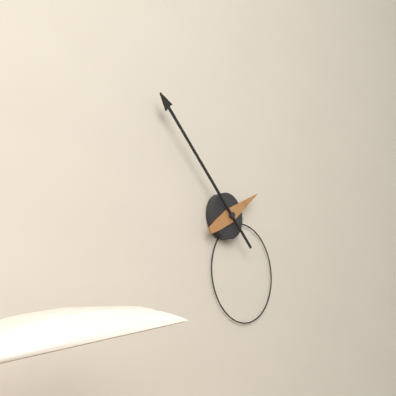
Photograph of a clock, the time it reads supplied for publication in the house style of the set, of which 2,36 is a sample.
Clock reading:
1,52
